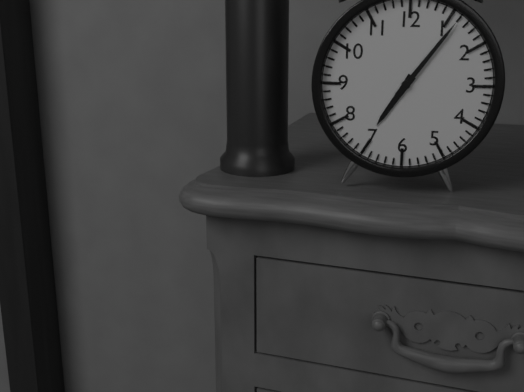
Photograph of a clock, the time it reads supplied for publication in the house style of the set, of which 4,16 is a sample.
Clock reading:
7,06
